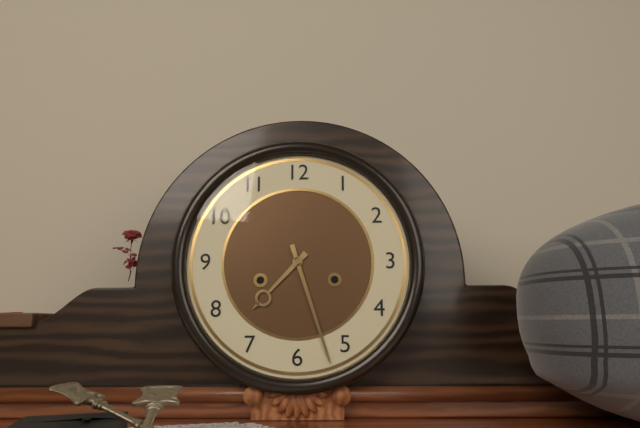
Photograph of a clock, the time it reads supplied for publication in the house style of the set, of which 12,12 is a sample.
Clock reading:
7,27
